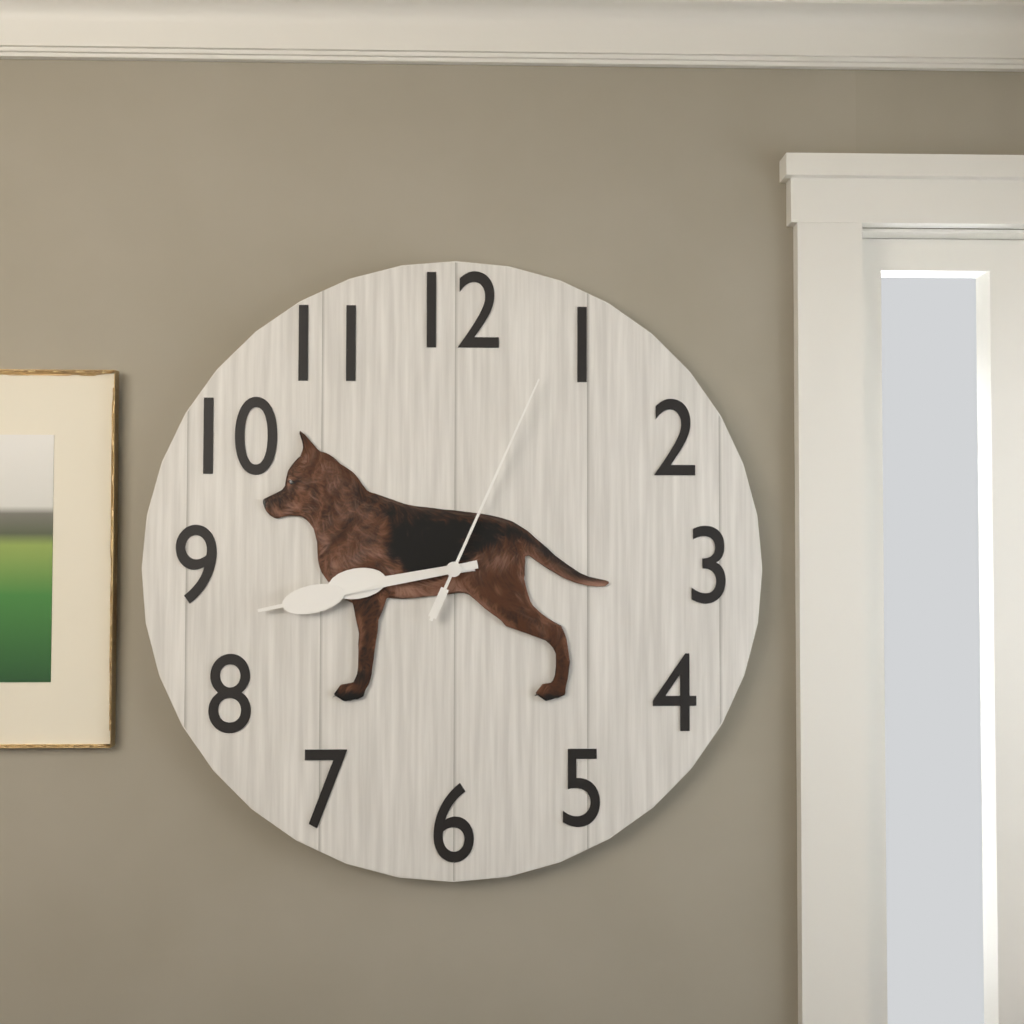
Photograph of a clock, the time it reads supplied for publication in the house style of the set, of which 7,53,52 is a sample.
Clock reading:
8,43,04
